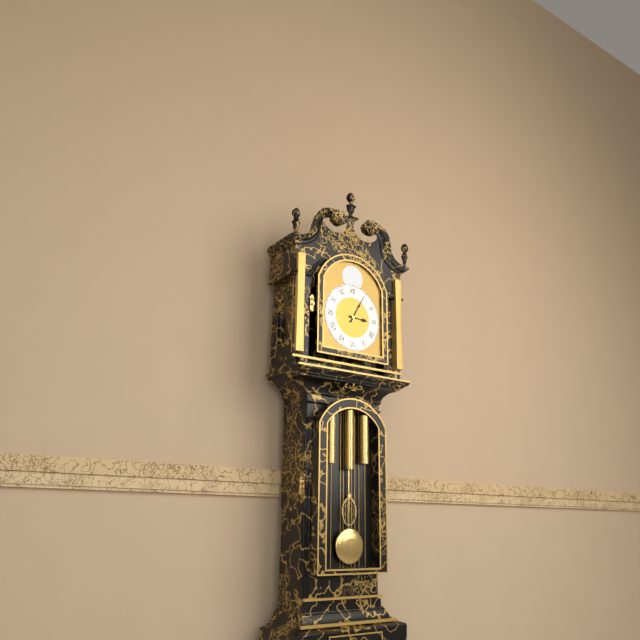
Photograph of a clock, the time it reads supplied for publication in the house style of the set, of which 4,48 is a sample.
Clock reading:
3,05
